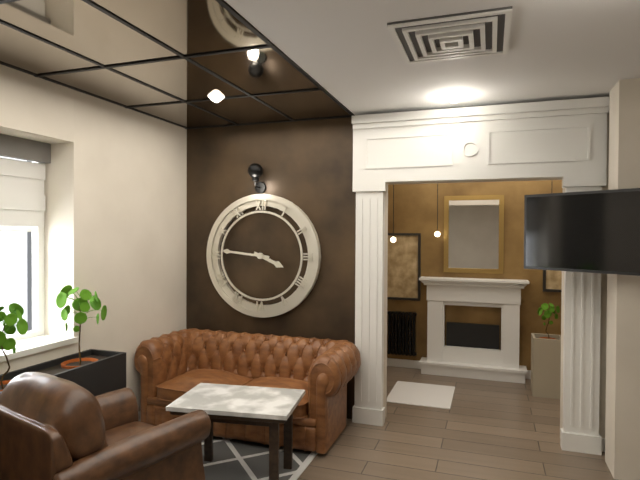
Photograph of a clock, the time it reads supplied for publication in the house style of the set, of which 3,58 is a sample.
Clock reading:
3,46
